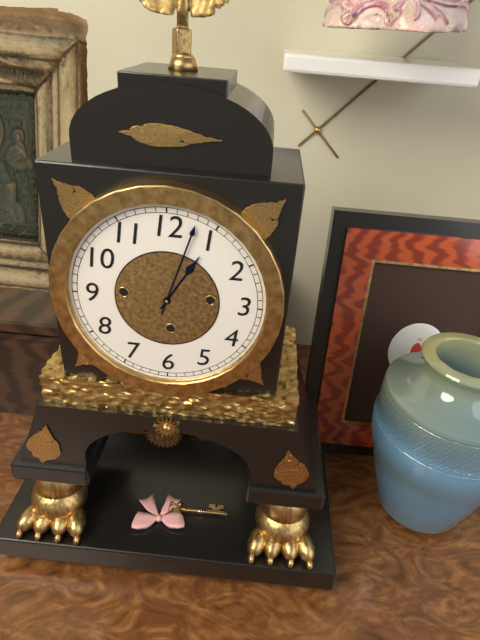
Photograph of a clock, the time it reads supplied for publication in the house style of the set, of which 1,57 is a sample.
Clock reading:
1,03
